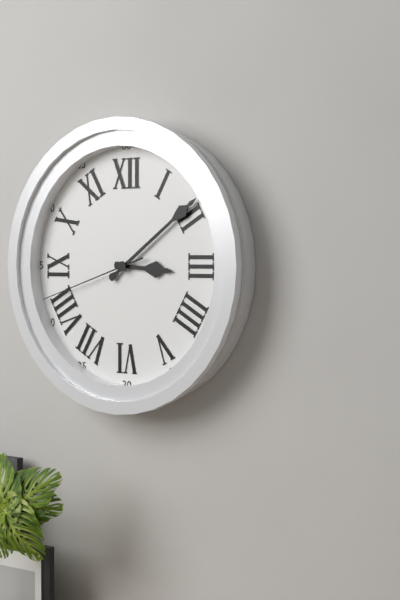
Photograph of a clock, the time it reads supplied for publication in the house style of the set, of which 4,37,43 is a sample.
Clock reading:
3,09,42
